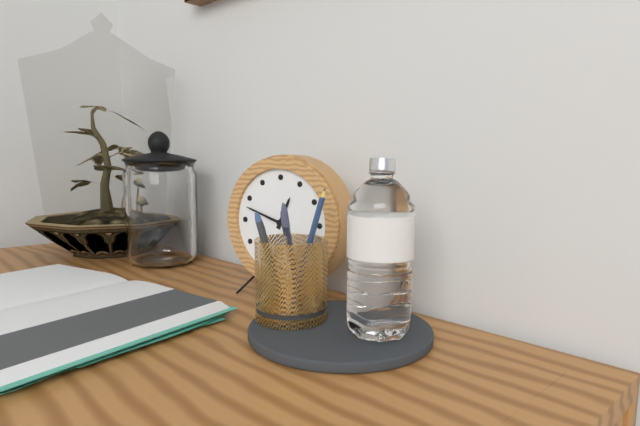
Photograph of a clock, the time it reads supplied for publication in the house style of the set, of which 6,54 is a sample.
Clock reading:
12,48
